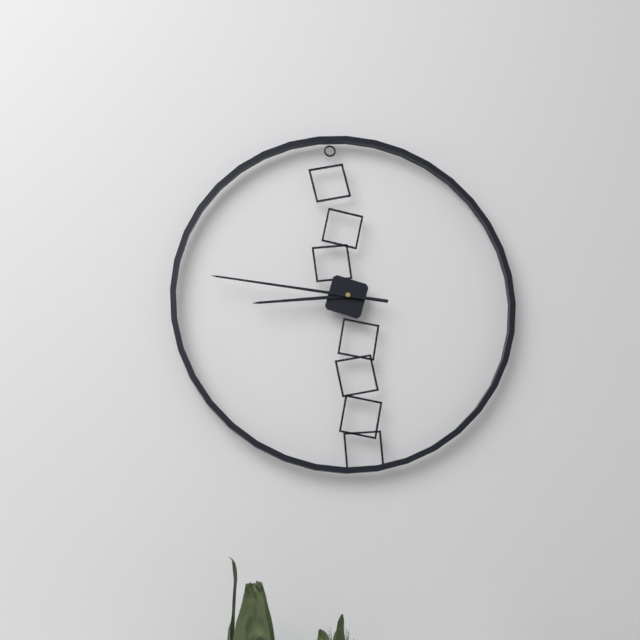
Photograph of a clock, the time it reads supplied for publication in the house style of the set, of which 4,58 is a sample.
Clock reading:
8,46
